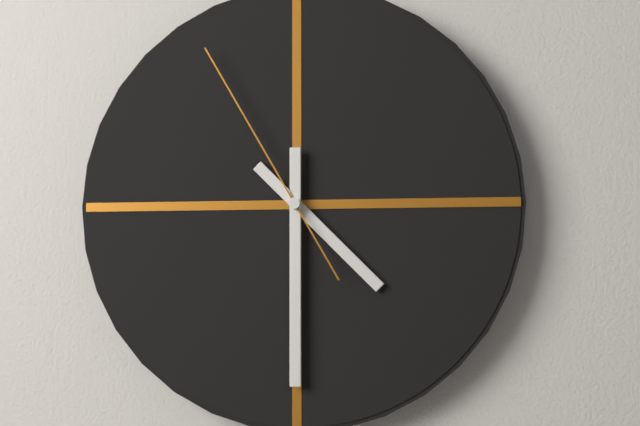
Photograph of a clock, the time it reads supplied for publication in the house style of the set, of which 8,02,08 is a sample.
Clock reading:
4,30,55
